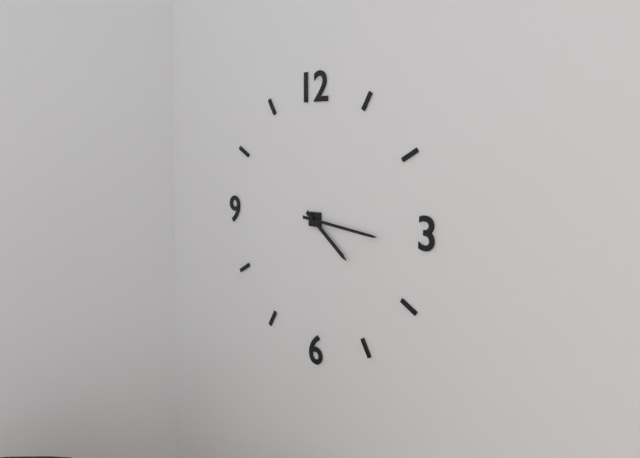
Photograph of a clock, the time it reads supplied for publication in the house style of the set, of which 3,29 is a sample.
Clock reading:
4,16
